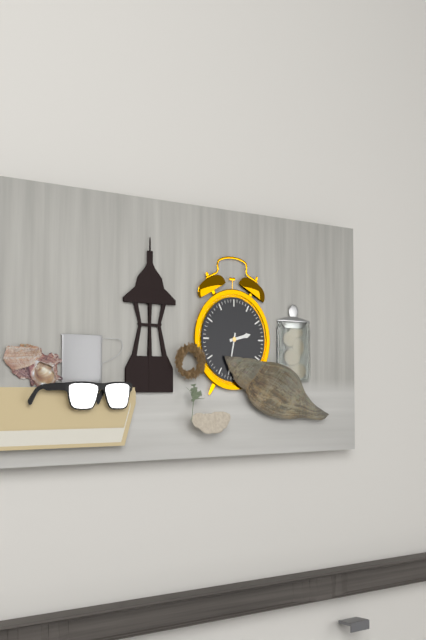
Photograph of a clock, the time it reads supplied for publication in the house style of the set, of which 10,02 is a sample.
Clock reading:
2,32
